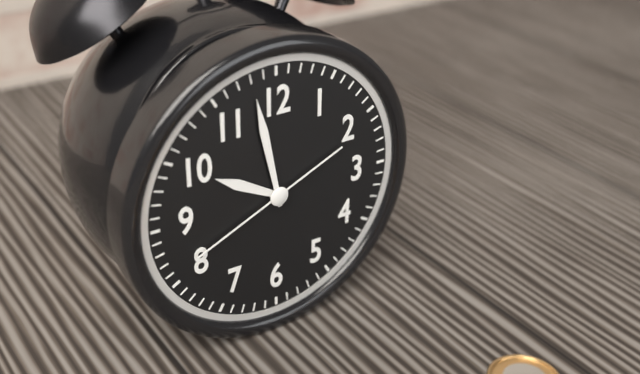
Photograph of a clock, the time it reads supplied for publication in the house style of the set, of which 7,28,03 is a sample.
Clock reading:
9,58,41
